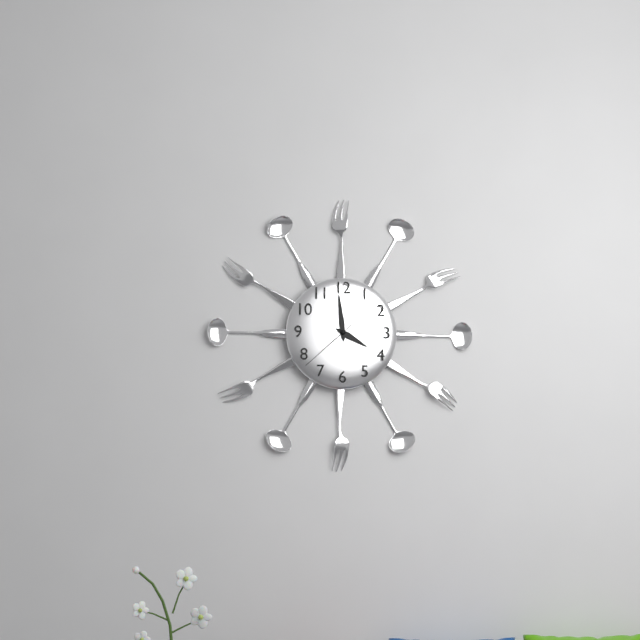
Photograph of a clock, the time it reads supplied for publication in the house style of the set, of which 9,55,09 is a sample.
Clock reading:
3,59,38
